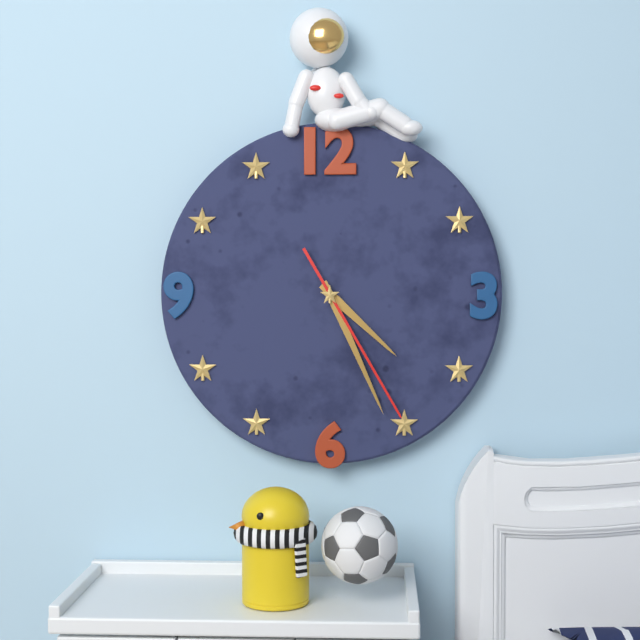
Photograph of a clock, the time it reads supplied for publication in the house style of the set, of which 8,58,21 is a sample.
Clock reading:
4,26,25
